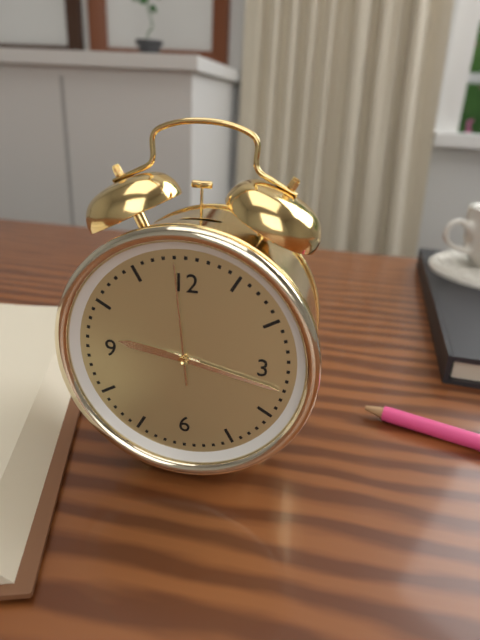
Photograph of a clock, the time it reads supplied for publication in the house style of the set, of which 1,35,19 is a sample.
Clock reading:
9,17,59
